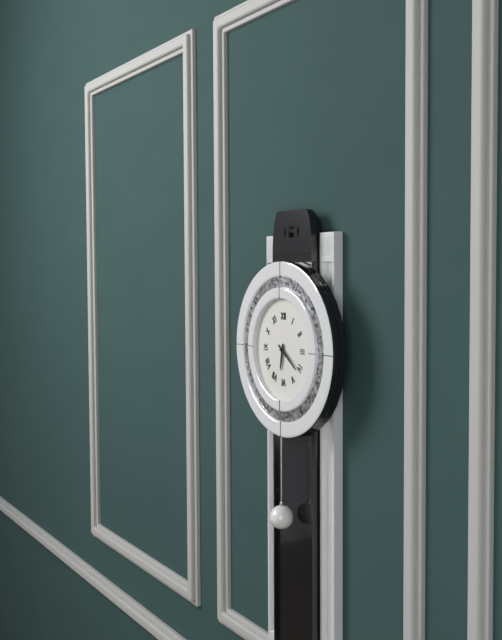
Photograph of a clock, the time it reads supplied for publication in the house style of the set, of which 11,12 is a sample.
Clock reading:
6,21
